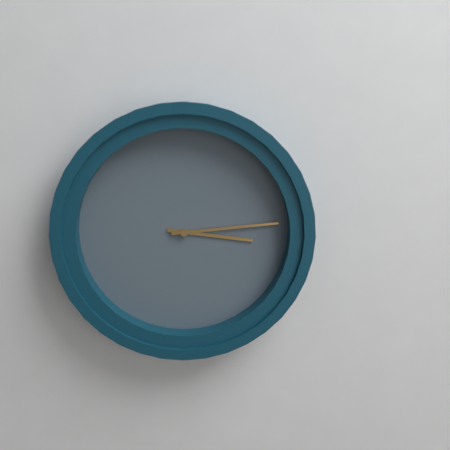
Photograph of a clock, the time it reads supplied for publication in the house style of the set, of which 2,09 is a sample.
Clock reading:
3,14
